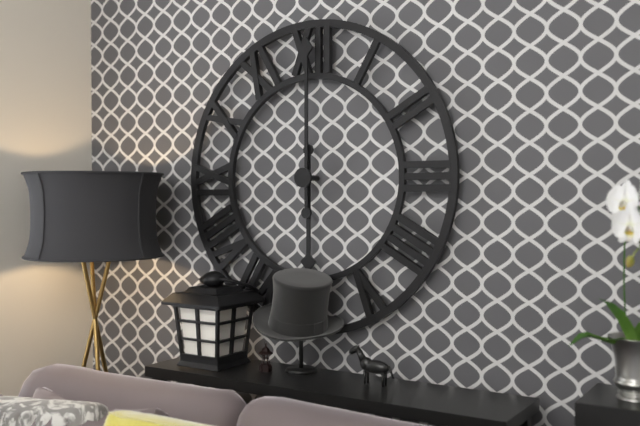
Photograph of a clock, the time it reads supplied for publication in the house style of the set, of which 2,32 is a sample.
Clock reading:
6,00
